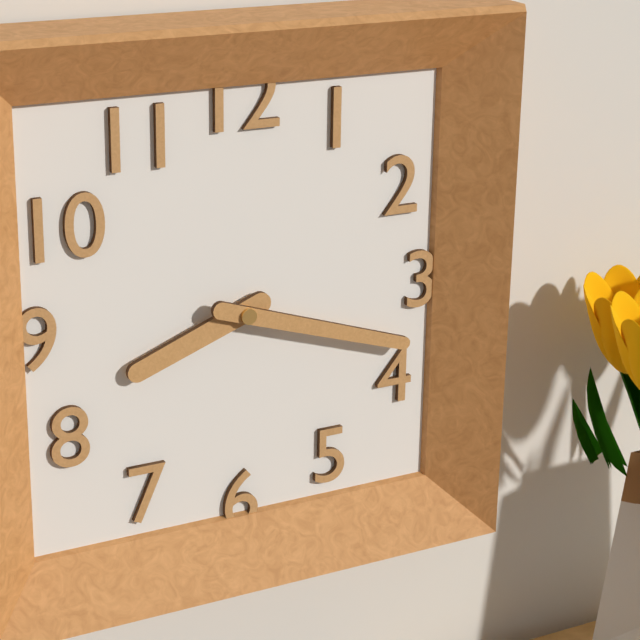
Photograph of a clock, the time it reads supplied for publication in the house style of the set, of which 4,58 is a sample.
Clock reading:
8,18
